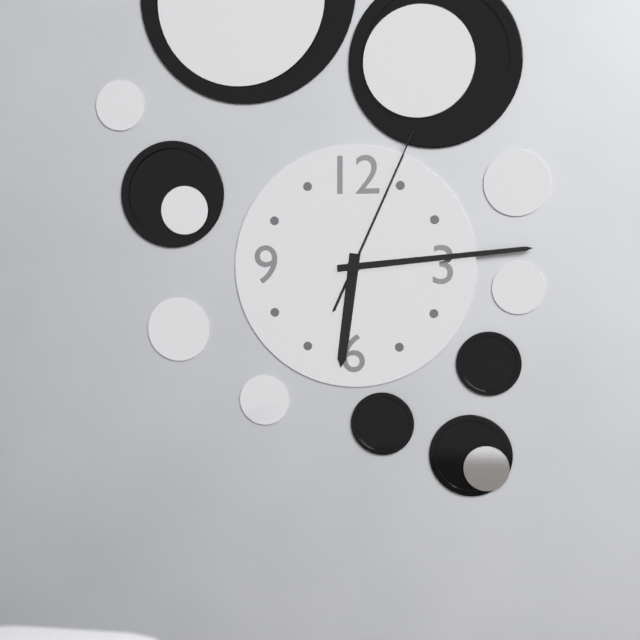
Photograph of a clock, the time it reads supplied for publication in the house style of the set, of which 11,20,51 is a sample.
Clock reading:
6,14,04
